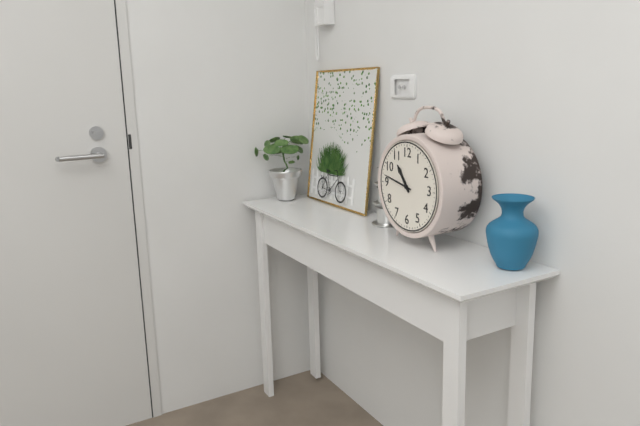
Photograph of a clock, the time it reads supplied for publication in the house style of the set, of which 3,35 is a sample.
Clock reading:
10,47
